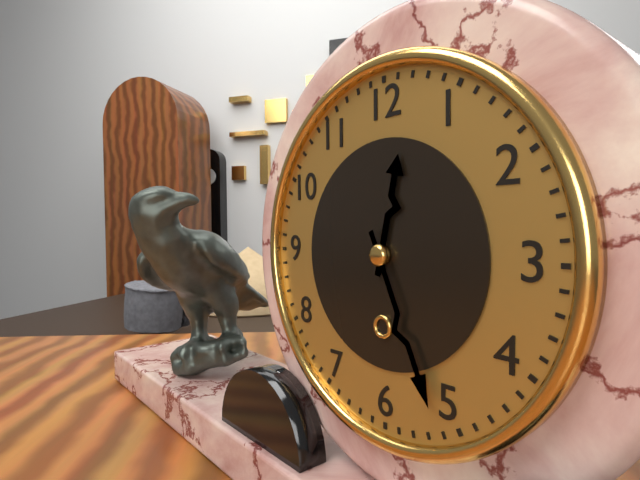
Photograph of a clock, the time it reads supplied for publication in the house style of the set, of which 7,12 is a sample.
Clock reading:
12,26
